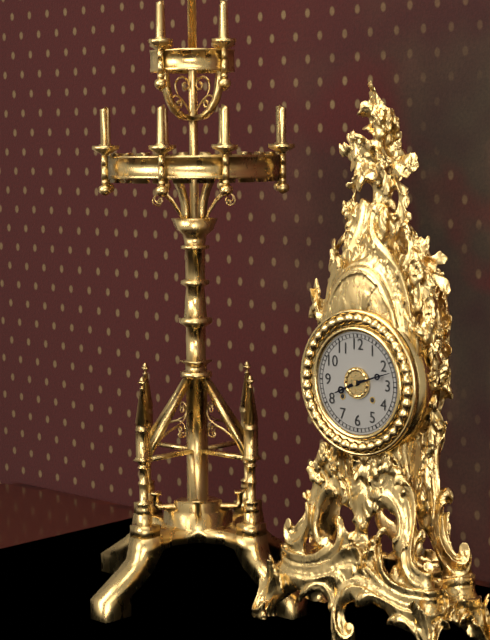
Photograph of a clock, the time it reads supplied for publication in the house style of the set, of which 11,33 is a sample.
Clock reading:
8,12
